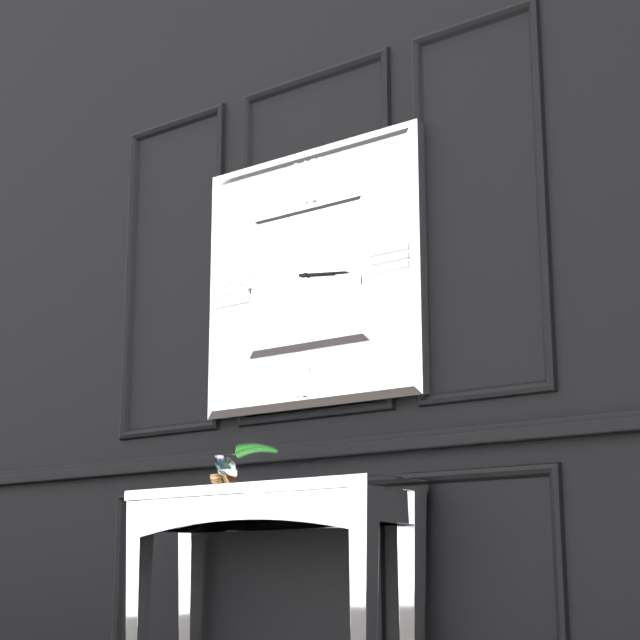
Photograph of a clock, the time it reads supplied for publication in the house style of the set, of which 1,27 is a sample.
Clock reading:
3,16
